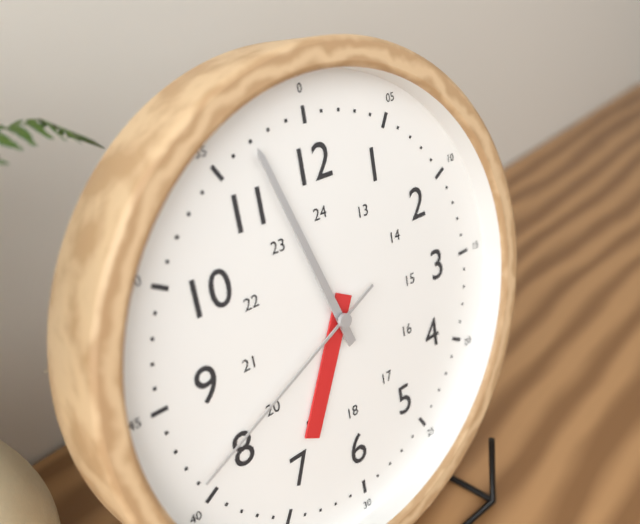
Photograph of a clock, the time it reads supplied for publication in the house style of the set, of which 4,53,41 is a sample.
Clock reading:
6,57,41
